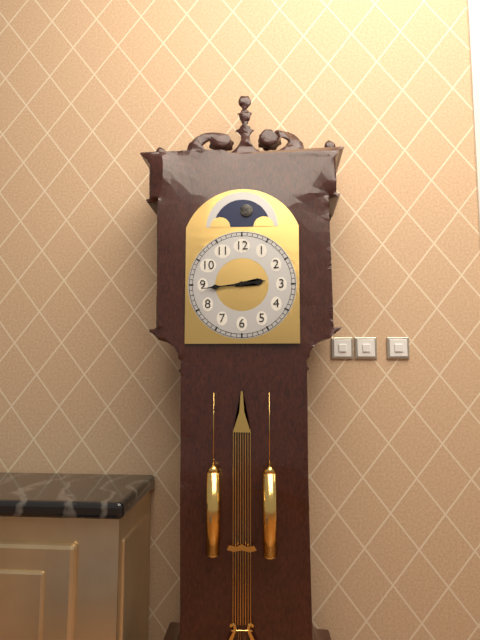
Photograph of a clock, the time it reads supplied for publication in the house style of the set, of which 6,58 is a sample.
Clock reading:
2,44
